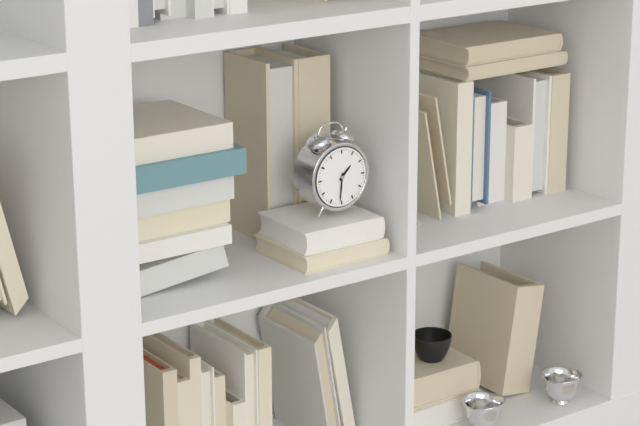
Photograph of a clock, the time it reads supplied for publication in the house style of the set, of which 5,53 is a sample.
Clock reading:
1,31
